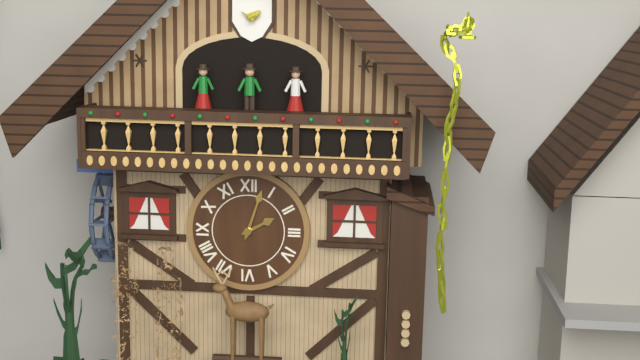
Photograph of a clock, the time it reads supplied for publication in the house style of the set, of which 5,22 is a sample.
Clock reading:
2,03
